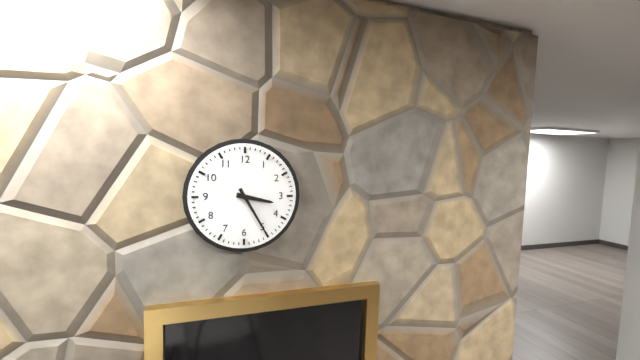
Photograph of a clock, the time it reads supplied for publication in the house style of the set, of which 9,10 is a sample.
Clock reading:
3,25
